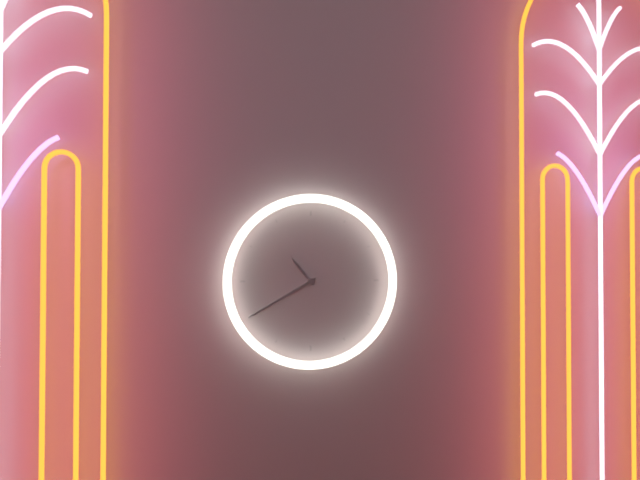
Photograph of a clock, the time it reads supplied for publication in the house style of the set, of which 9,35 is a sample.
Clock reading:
10,40
